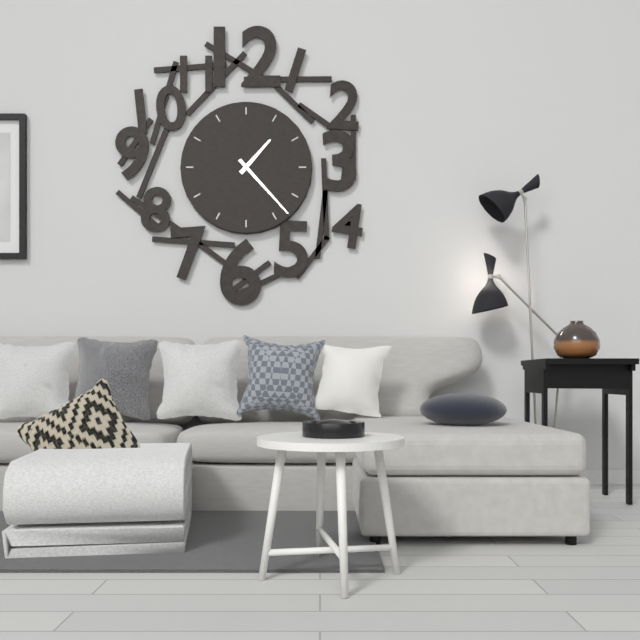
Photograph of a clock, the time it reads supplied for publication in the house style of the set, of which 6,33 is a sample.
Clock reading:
1,23
